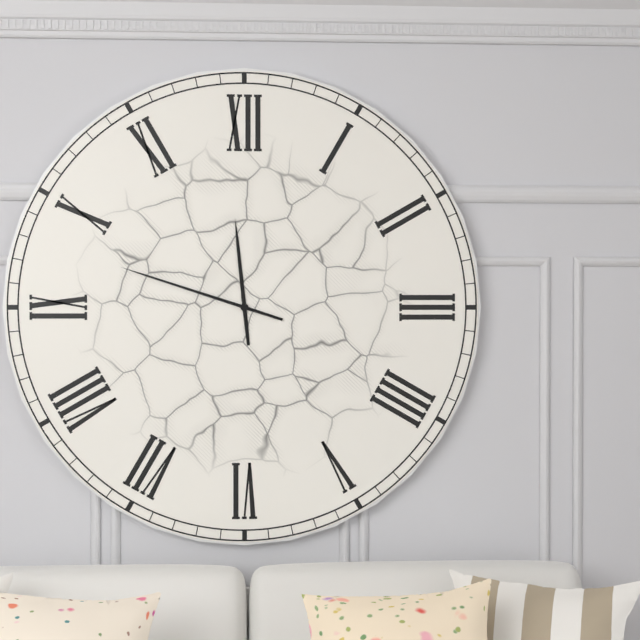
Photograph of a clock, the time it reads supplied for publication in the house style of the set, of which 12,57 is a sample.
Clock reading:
11,48
